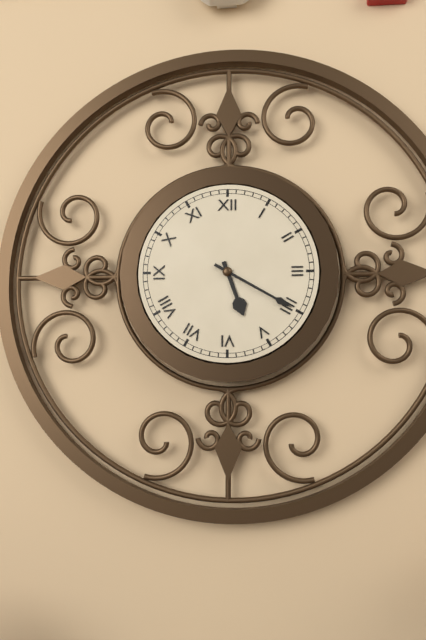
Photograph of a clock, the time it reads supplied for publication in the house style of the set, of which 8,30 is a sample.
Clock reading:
5,20
